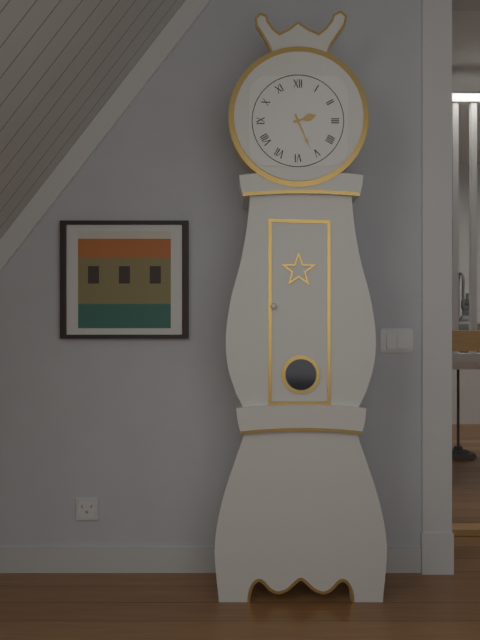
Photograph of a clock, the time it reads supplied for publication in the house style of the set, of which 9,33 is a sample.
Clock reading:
2,26
